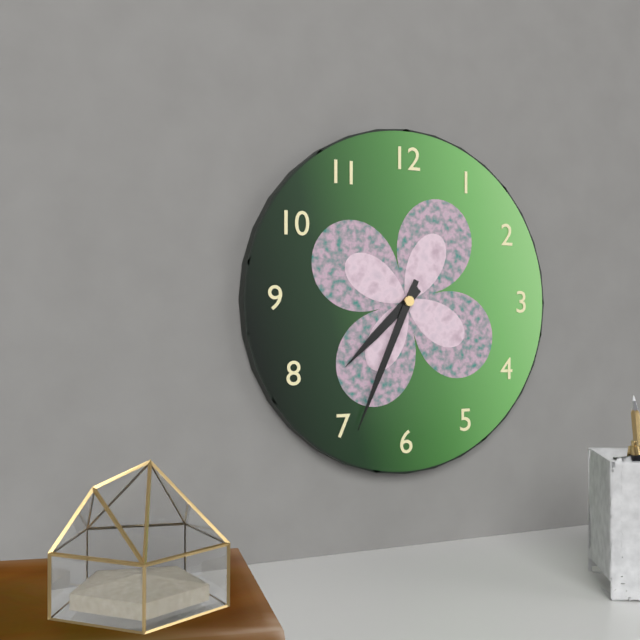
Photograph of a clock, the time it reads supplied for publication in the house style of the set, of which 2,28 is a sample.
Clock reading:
7,34
